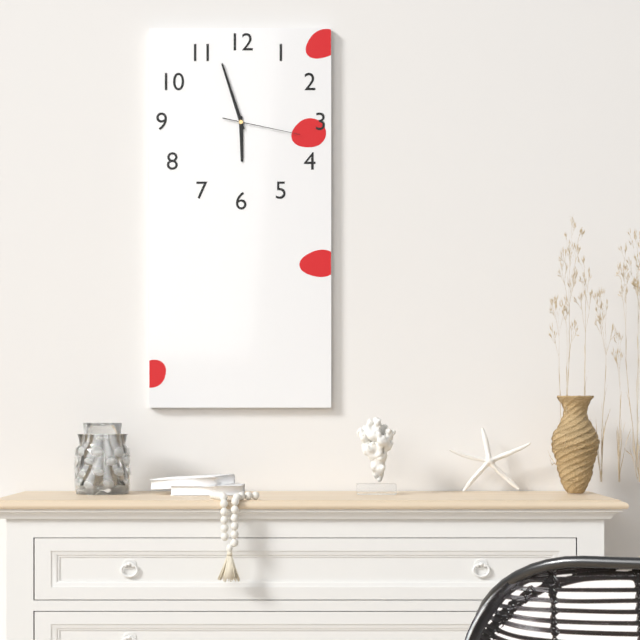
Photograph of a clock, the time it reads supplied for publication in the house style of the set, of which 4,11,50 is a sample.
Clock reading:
5,57,17
